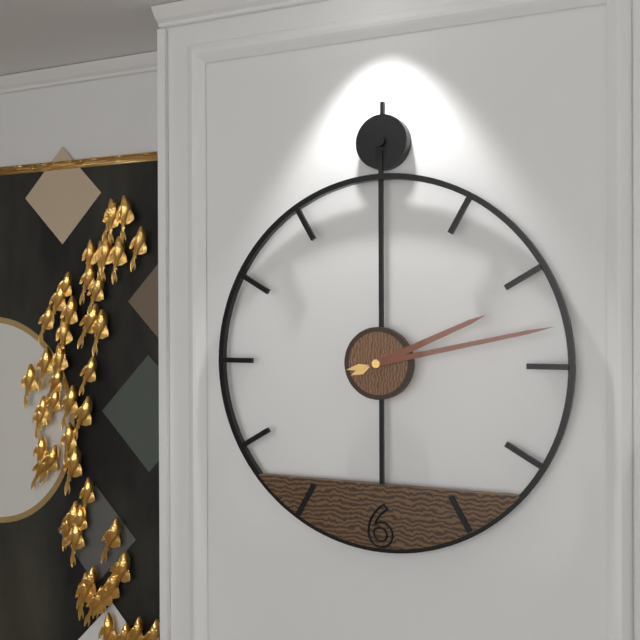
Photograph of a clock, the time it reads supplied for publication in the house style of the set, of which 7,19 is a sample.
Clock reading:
2,13
